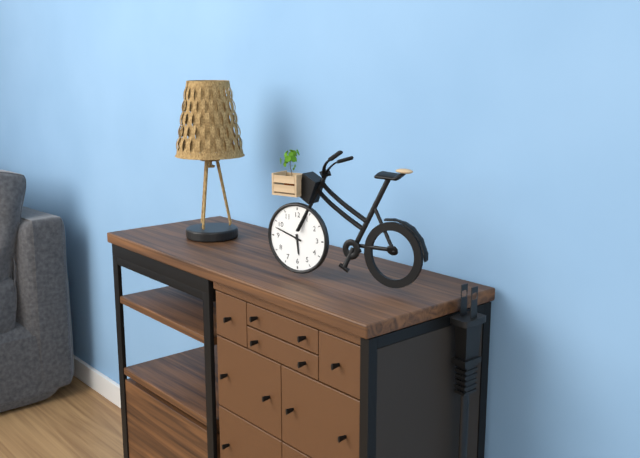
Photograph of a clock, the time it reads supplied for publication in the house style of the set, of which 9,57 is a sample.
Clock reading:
5,48
